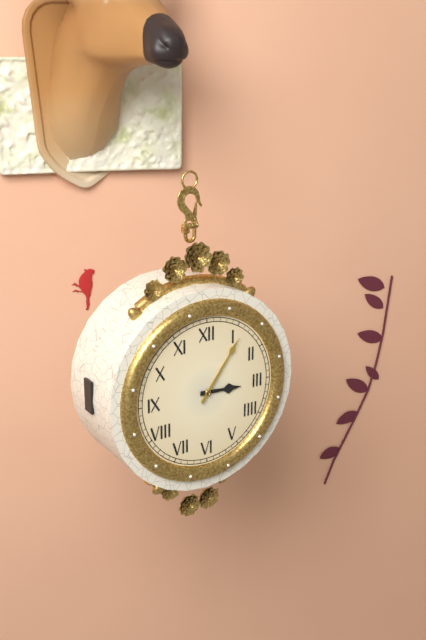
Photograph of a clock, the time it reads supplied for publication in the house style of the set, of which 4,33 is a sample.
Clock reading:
3,06
